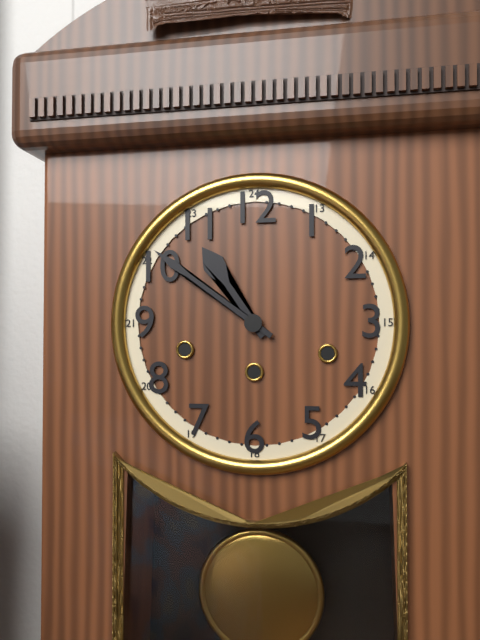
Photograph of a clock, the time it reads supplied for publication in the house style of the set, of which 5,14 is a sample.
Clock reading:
10,51
